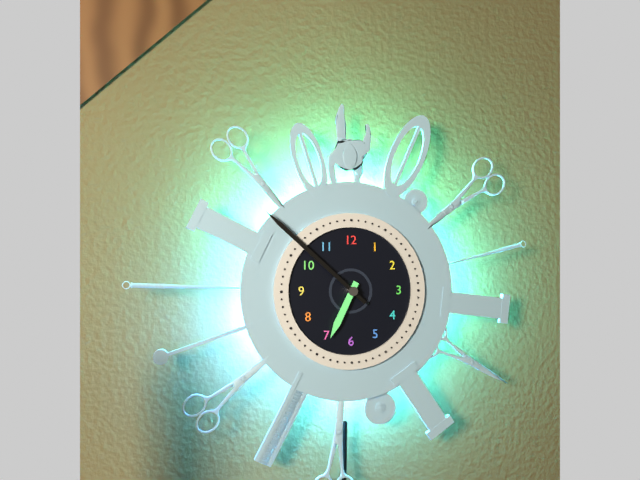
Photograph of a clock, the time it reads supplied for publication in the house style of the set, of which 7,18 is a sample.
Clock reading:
6,52
